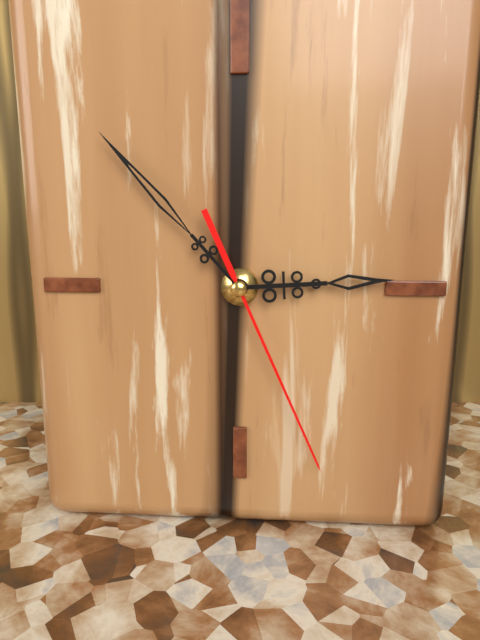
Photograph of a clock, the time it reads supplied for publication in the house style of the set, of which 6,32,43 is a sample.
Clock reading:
2,53,26
